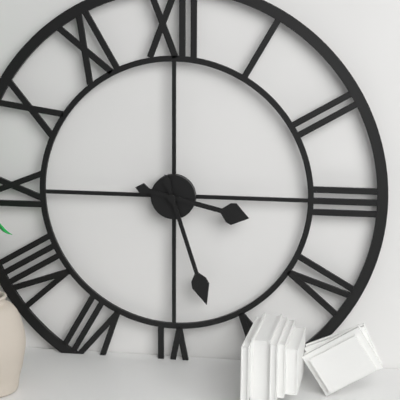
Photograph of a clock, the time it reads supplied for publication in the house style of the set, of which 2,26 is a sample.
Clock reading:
3,27
